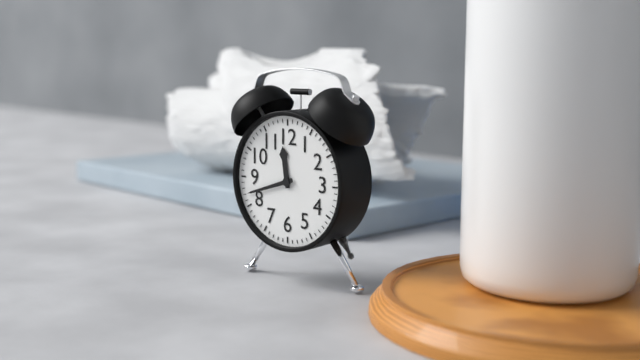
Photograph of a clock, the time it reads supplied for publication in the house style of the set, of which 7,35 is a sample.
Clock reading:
11,42
